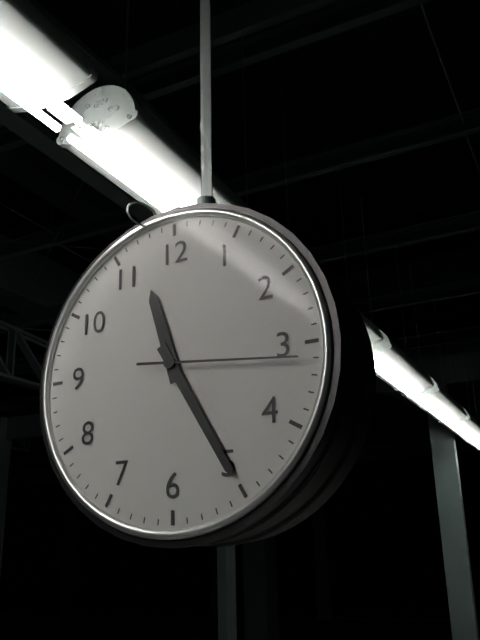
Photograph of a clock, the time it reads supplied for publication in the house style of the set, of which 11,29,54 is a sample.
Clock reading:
11,25,16
